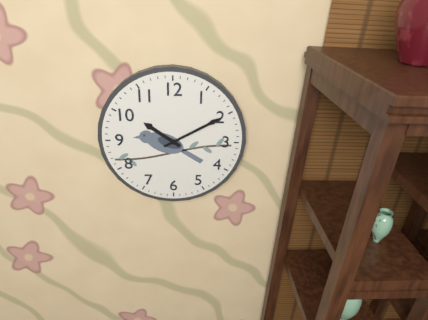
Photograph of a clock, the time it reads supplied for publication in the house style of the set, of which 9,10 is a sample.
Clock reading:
10,10
